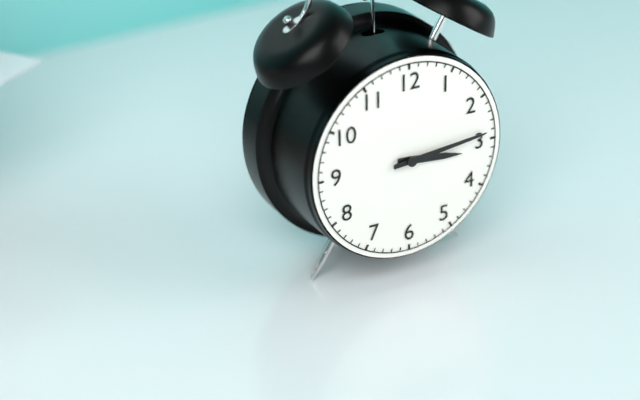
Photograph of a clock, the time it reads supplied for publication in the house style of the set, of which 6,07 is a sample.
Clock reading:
3,14
